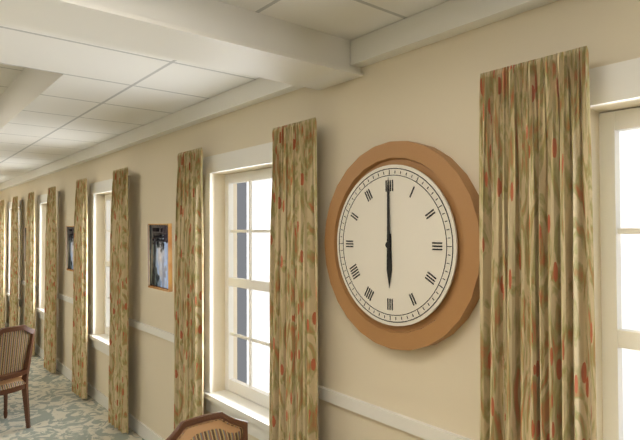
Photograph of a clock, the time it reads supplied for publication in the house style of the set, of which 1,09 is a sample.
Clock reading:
6,00
